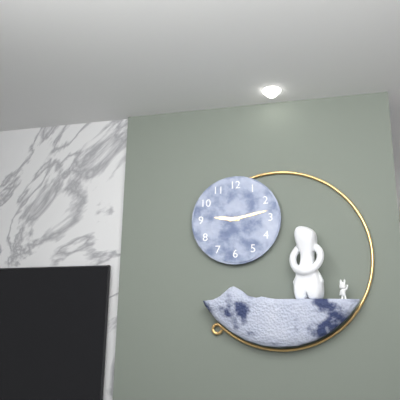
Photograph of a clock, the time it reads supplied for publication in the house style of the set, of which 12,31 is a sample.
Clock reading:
9,13
